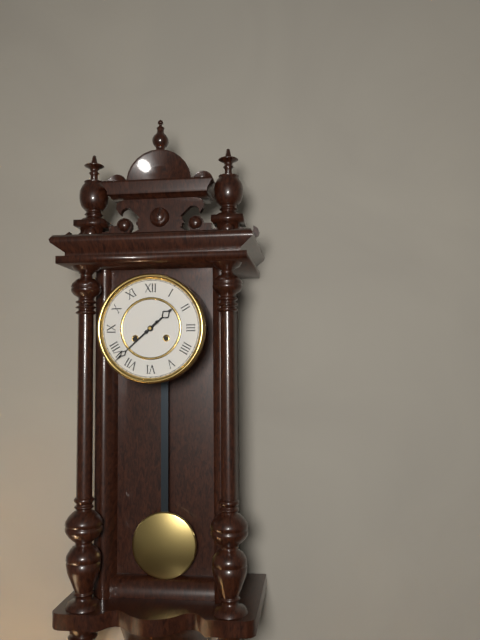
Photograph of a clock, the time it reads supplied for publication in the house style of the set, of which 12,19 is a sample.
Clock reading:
1,38
